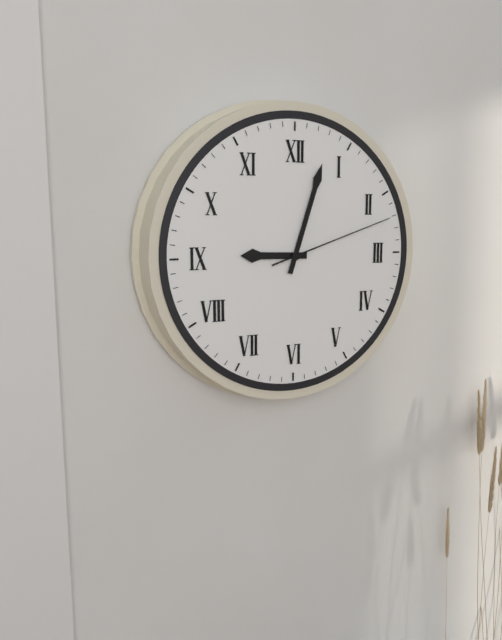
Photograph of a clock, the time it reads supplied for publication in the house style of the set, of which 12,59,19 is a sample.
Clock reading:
9,03,12
